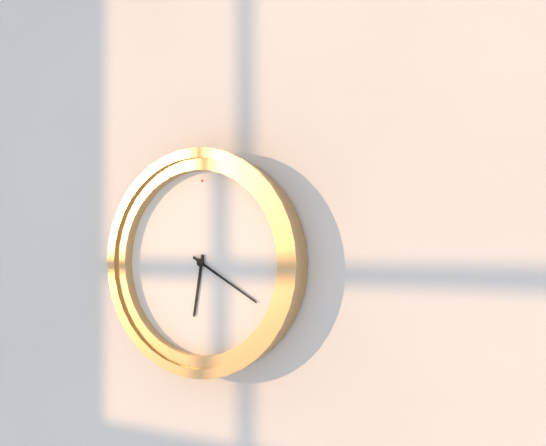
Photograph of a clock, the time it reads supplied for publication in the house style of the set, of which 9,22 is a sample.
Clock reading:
6,20
